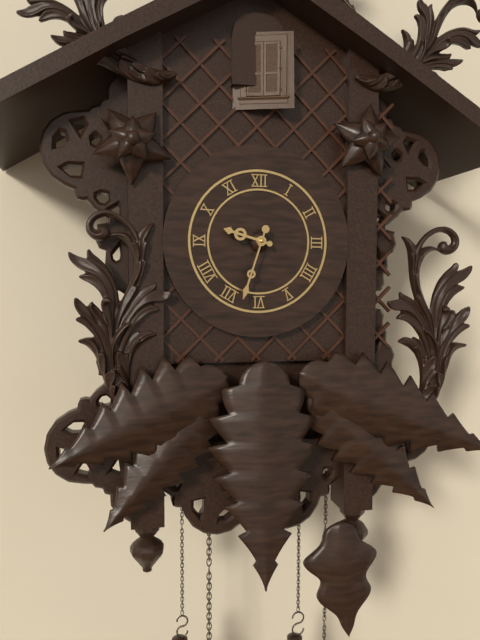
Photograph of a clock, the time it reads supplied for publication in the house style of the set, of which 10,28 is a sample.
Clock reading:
9,33
